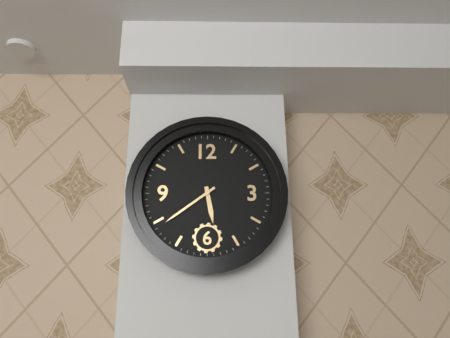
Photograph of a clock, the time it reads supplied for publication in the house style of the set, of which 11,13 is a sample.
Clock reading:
5,39
